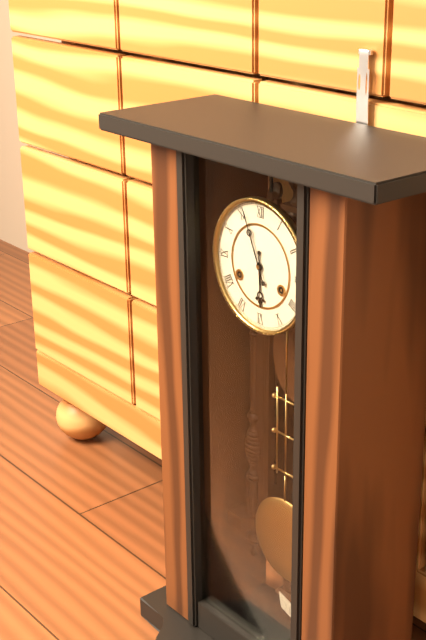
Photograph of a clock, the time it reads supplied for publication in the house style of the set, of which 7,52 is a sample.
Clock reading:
5,56
